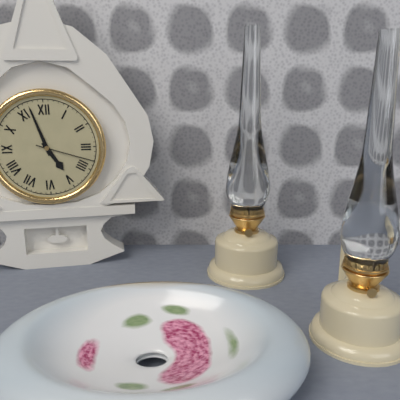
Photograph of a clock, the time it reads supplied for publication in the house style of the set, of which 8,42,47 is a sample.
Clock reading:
4,57,18
